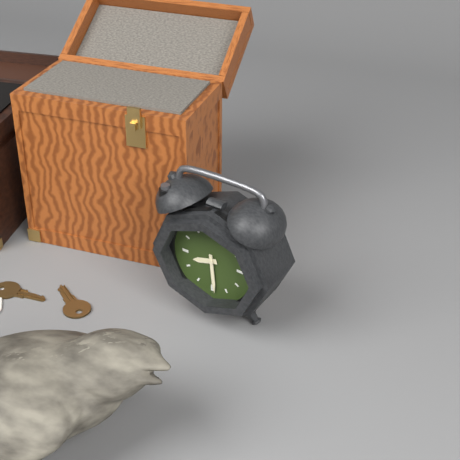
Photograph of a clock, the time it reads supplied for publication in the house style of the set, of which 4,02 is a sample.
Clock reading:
8,29
